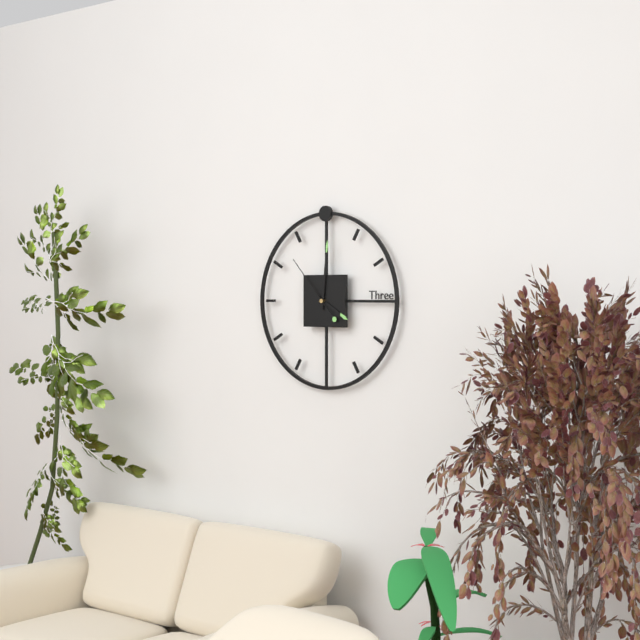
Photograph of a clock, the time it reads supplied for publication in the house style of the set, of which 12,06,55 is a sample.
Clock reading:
4,01,53
